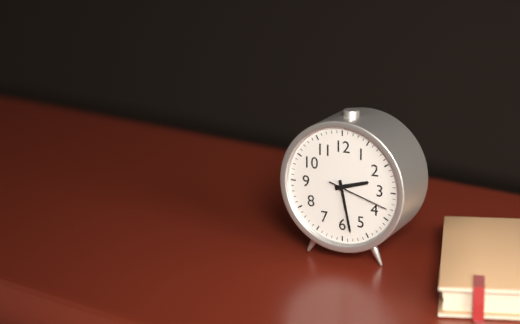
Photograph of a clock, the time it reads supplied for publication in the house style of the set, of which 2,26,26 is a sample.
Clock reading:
2,28,18
